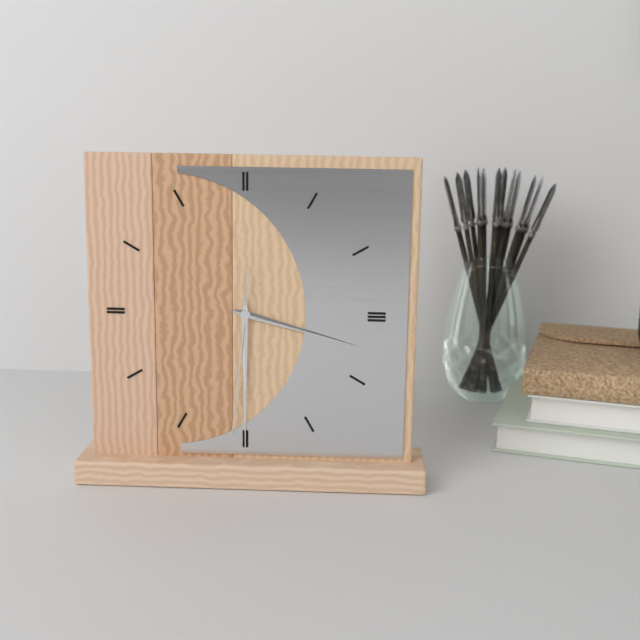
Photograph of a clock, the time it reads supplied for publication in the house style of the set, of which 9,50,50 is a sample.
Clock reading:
3,30,31
